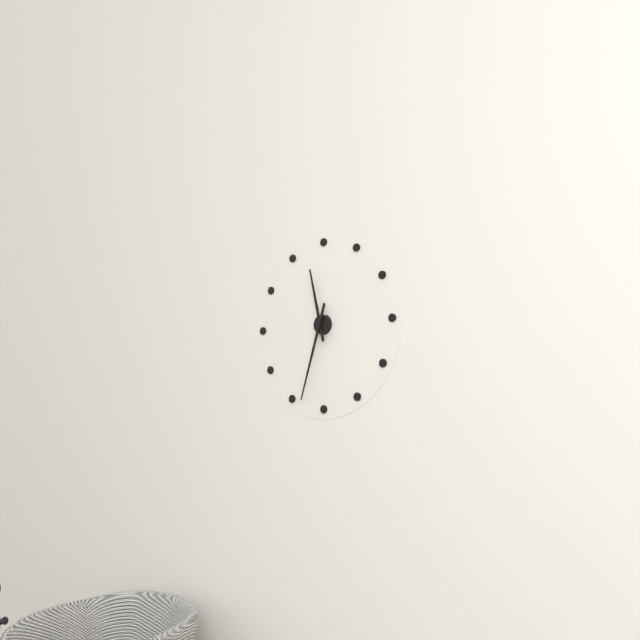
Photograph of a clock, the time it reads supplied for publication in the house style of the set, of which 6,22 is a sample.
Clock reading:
11,33
